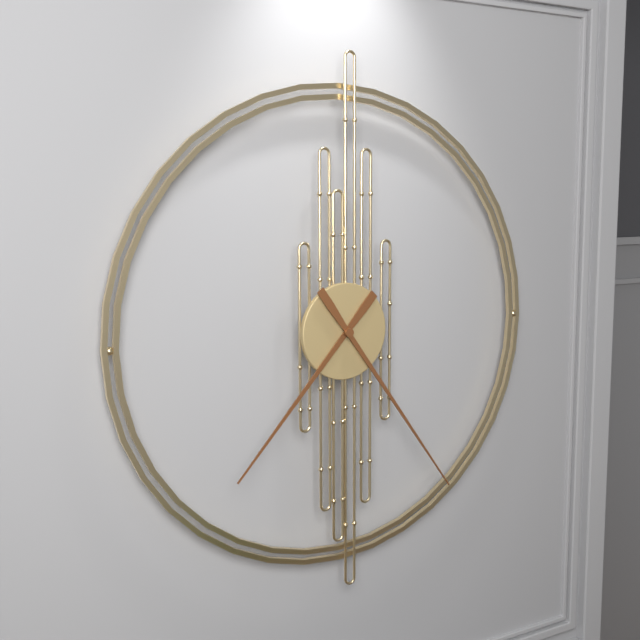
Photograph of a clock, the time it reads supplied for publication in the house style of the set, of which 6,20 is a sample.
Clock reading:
7,24
